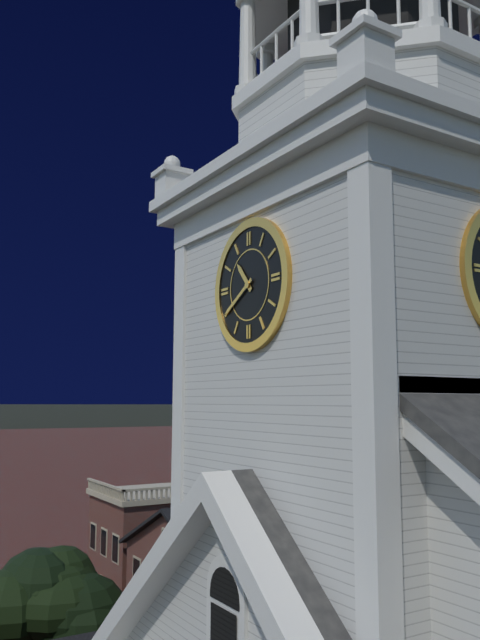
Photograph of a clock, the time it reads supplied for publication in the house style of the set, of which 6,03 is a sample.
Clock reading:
10,40
